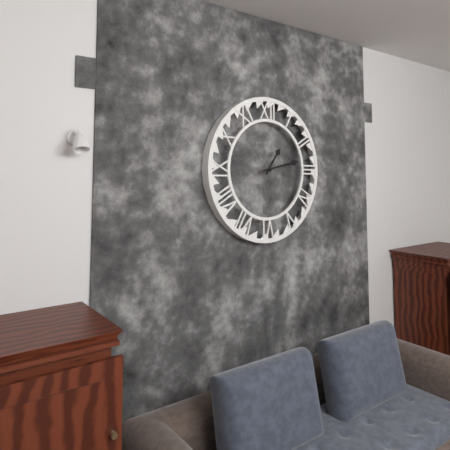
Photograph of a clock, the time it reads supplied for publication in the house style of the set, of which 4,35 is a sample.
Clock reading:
1,13
